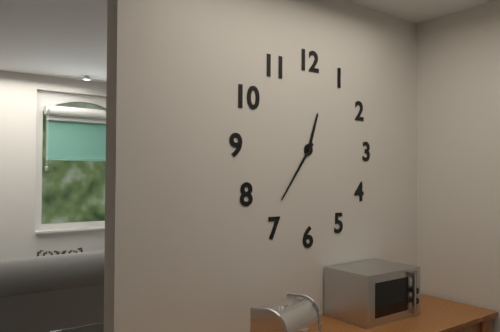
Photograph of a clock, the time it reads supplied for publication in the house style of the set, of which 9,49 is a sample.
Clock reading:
12,36
